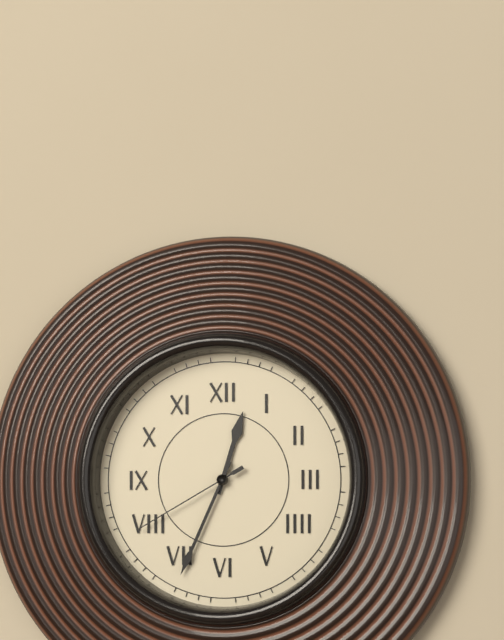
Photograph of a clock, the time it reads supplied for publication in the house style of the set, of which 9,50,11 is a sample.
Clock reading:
12,34,40
